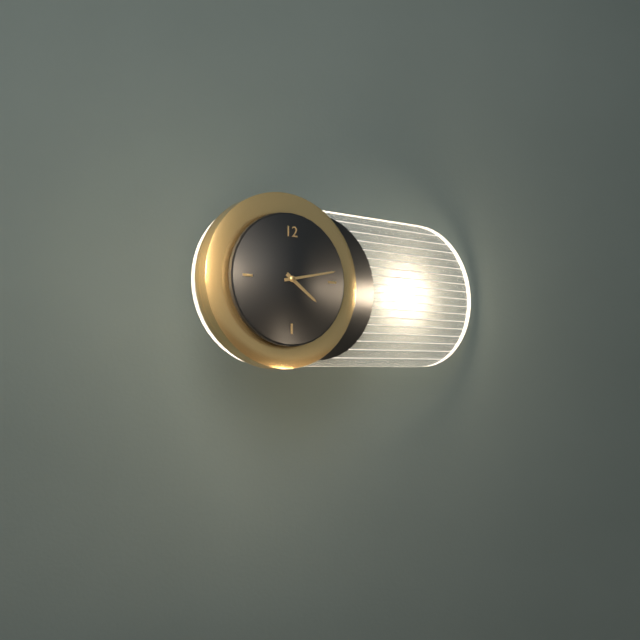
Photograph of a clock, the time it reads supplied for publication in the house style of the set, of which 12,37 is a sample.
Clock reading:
4,13
